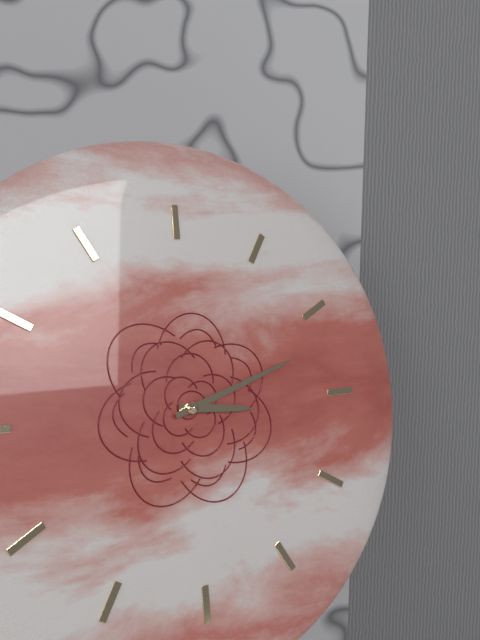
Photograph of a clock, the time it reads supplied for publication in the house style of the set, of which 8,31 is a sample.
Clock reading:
3,12
